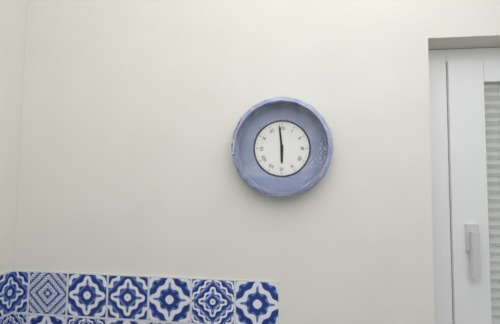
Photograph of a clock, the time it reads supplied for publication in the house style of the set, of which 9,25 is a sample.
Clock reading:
5,59
